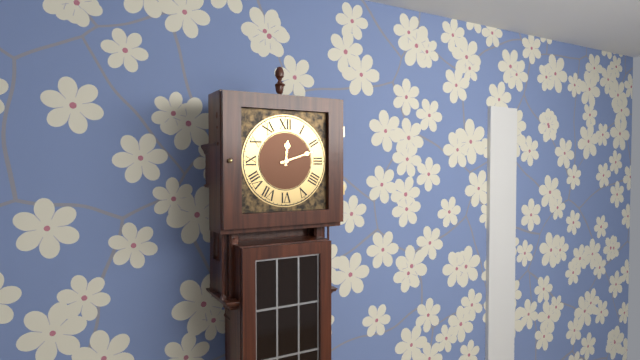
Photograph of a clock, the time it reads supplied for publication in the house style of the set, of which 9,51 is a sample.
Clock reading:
12,12
